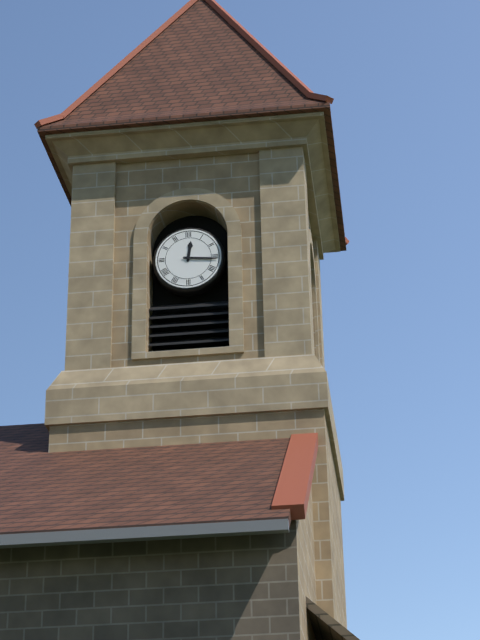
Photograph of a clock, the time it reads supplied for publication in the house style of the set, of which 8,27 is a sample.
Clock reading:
12,16
